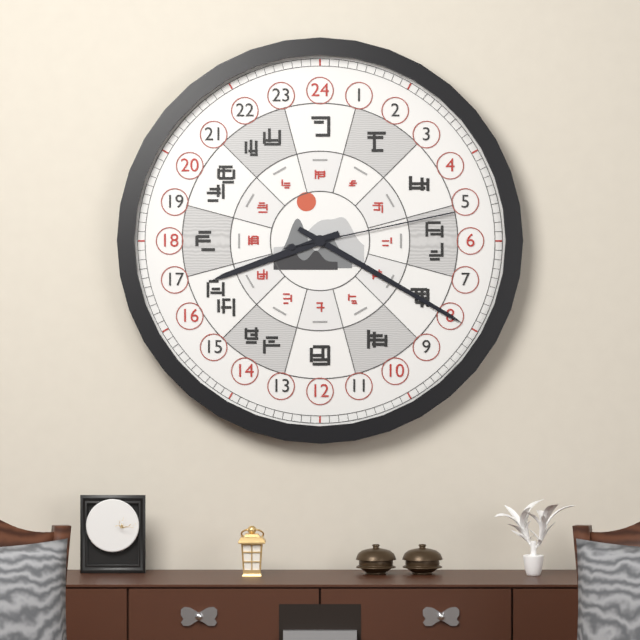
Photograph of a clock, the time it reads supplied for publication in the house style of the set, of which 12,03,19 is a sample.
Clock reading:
8,20,13
